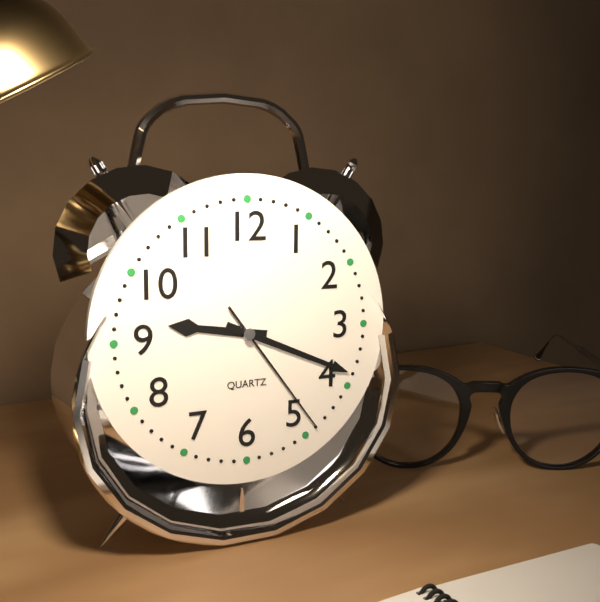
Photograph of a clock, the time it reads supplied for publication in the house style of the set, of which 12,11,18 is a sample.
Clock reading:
9,19,24
